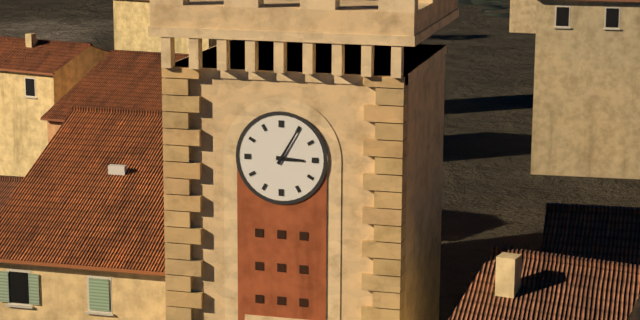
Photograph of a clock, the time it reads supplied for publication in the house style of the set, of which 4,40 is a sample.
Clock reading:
3,05
